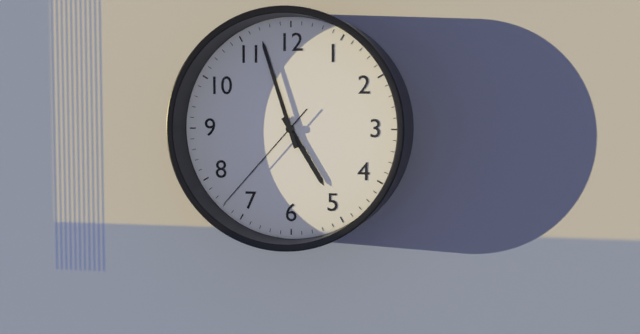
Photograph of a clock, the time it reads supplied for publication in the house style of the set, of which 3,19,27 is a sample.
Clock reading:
4,57,37
